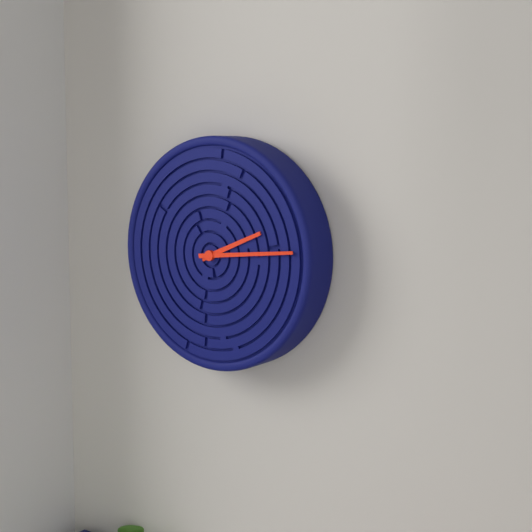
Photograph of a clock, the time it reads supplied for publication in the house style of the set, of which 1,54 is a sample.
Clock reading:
2,14
